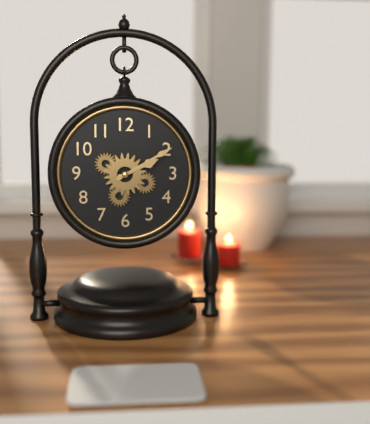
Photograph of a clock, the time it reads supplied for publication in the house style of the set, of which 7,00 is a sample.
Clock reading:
2,10
